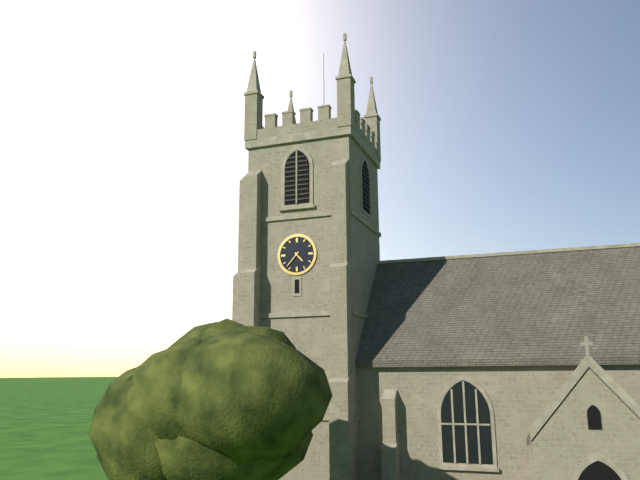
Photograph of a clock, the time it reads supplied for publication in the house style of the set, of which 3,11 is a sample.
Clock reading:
4,37
